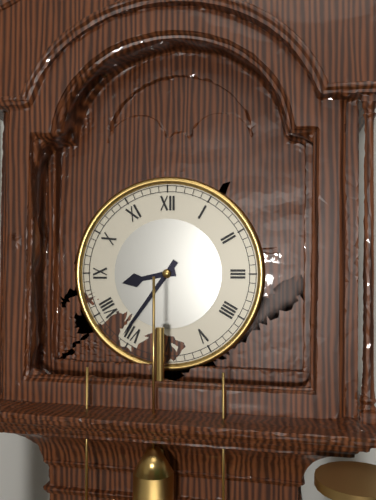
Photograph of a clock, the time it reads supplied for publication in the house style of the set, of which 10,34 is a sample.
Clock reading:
8,36
